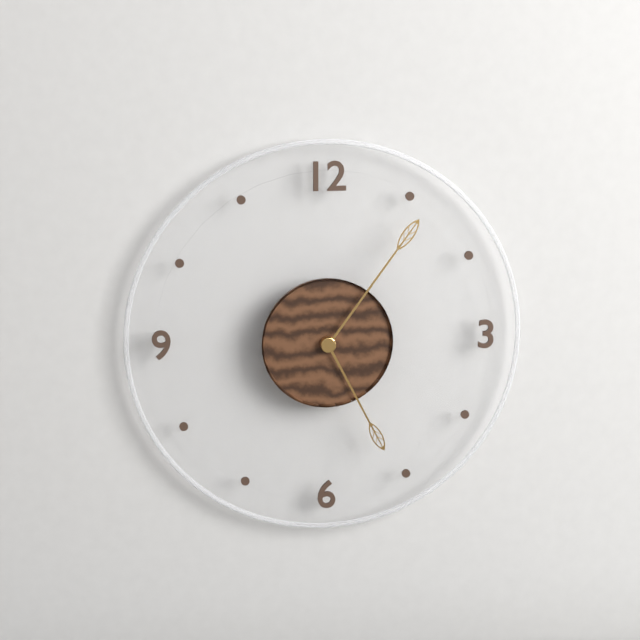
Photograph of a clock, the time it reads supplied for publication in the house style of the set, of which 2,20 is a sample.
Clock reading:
5,06
